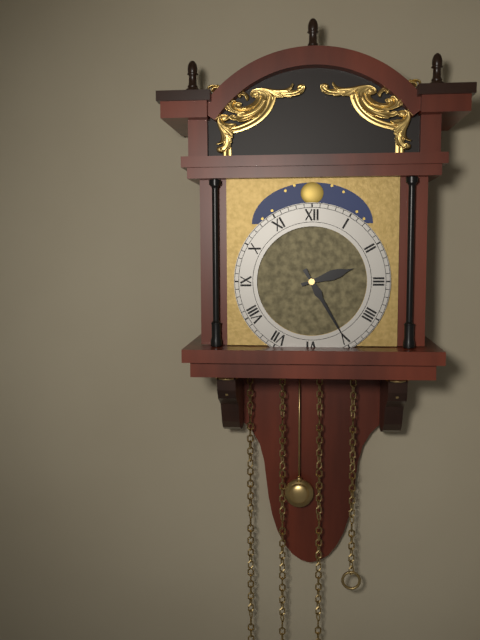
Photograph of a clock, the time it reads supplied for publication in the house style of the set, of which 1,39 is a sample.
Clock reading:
2,25
